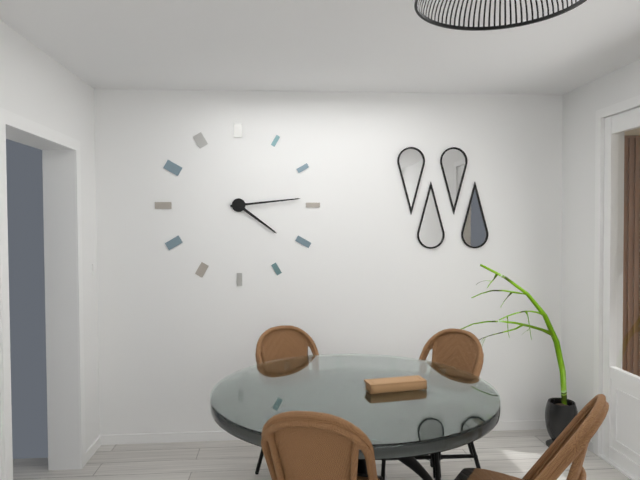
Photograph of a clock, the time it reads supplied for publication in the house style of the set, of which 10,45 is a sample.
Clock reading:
4,14
